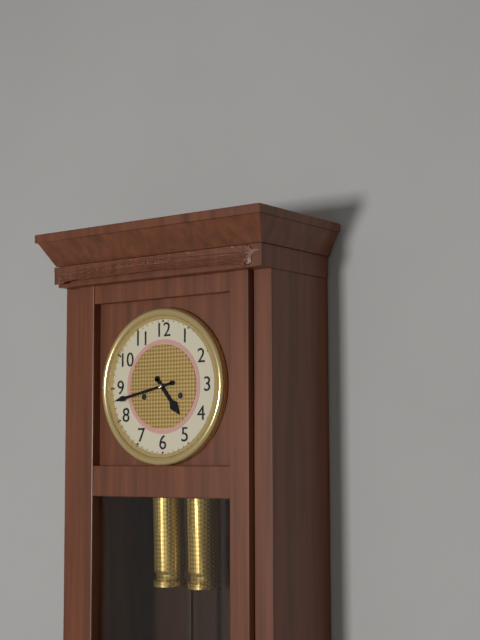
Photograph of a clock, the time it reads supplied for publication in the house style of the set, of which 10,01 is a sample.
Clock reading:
4,43
